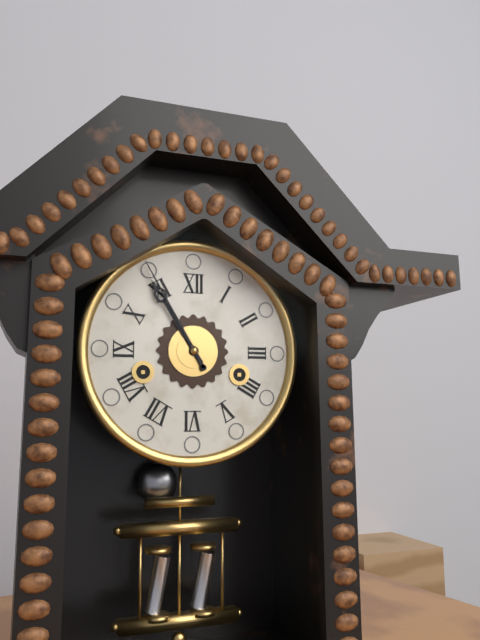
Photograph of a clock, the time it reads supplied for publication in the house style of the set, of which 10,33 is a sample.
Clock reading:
10,55
